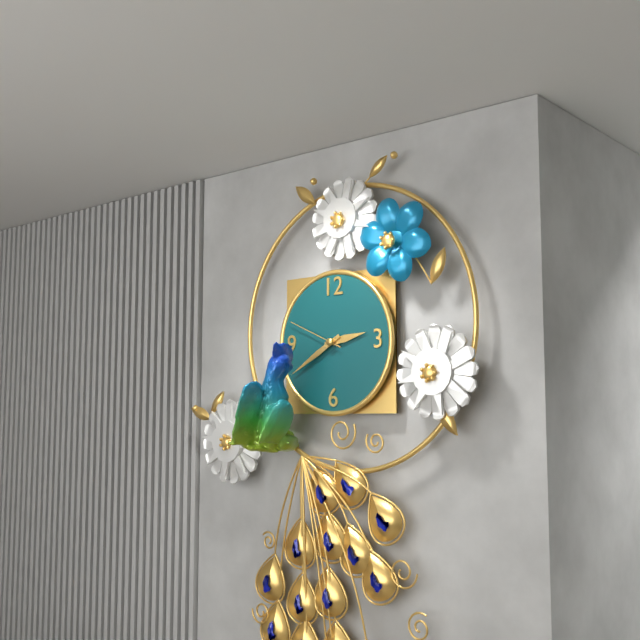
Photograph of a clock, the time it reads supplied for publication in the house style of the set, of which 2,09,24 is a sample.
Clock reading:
2,40,49
